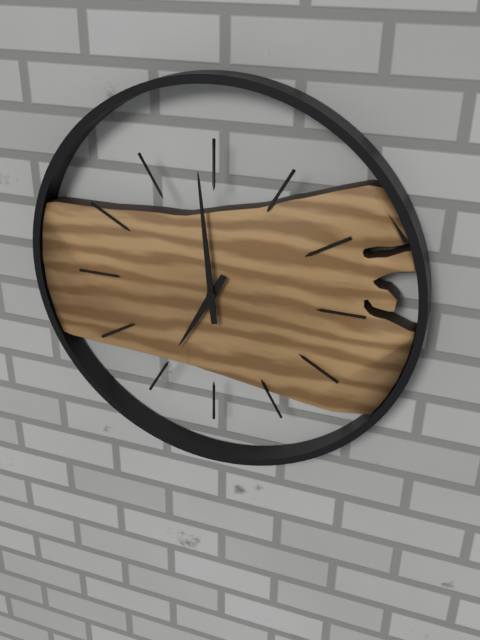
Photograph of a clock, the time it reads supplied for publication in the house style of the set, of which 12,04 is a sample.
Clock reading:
6,59
